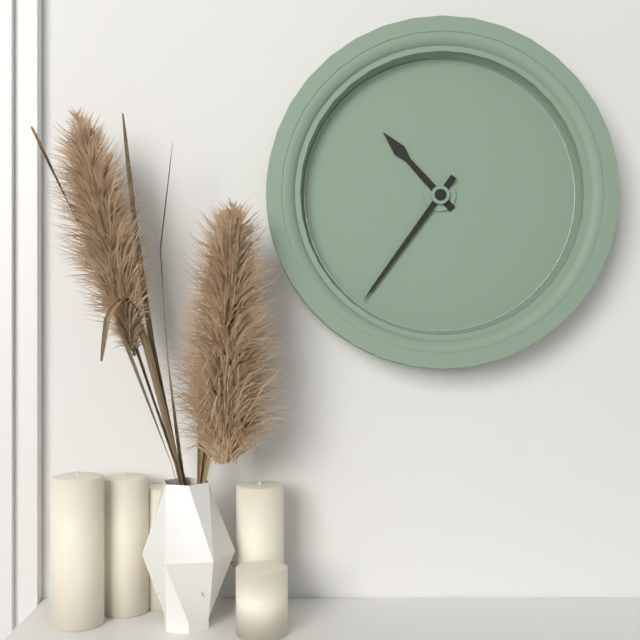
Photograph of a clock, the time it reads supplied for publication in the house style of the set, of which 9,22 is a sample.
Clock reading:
10,36
